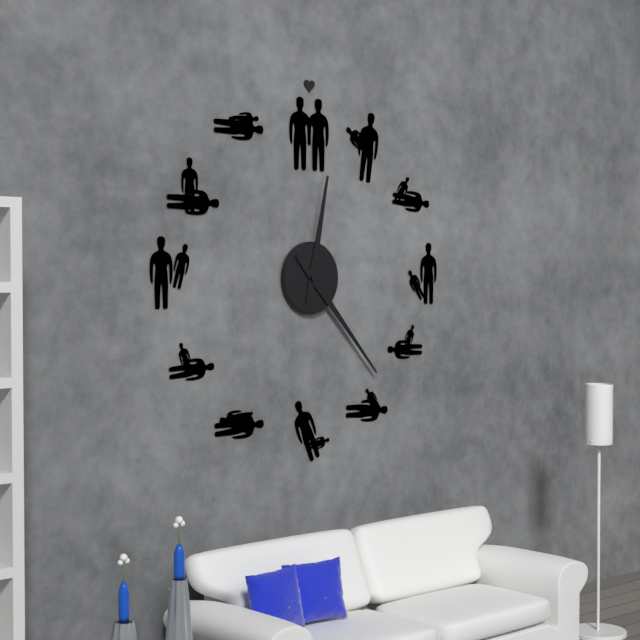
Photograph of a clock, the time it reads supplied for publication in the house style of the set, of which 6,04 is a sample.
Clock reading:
12,23
